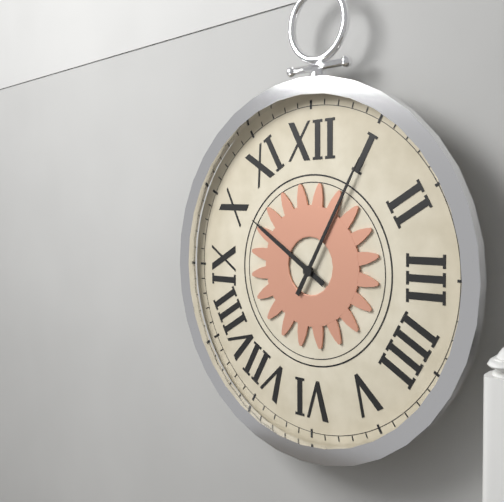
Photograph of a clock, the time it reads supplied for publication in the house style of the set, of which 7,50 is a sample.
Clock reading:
10,05
